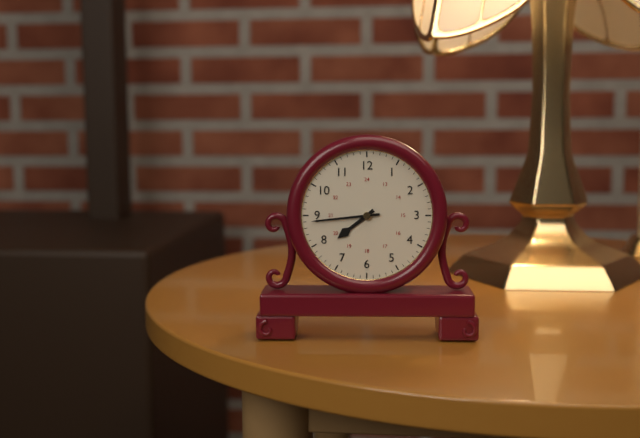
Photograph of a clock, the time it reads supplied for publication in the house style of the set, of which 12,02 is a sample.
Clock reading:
7,44
